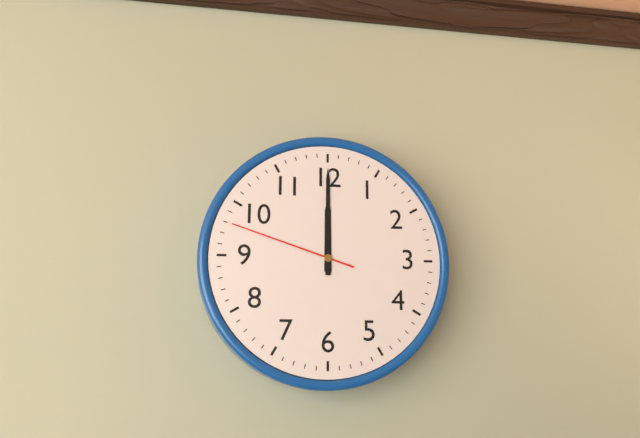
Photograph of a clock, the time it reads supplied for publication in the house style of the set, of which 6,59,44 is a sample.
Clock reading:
12,00,48
